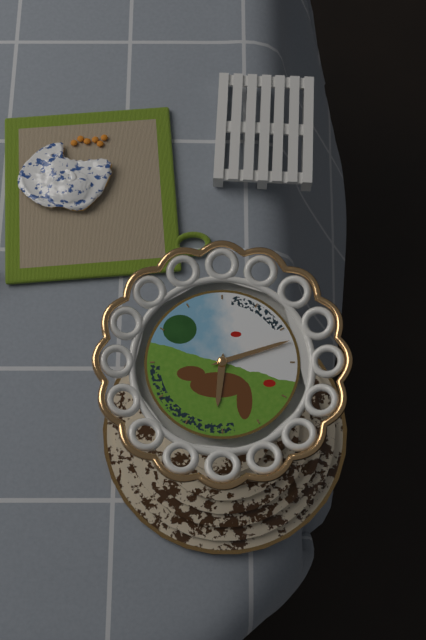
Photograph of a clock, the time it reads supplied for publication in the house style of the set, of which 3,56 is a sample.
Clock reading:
6,12
